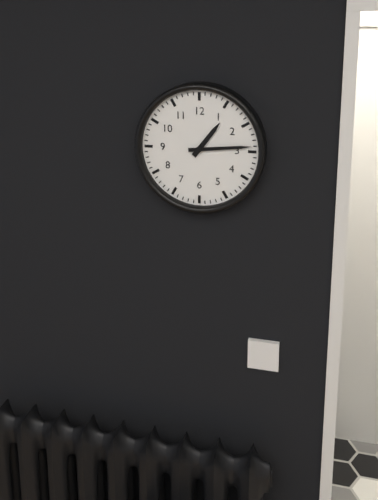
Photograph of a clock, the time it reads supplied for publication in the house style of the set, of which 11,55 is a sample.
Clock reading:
1,14
